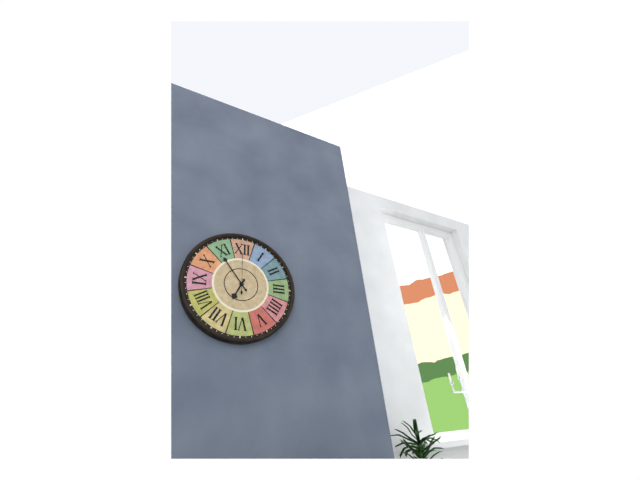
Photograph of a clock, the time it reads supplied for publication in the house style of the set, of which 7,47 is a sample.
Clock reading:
6,54
